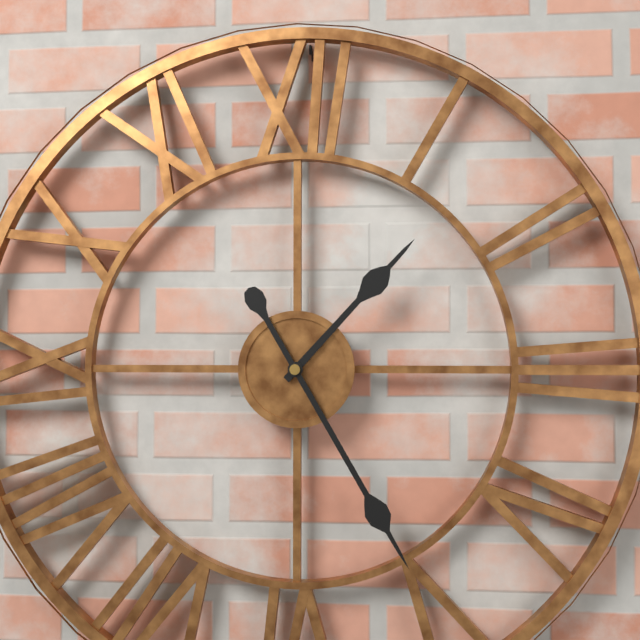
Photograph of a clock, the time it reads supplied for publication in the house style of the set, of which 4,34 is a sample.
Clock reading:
1,25
